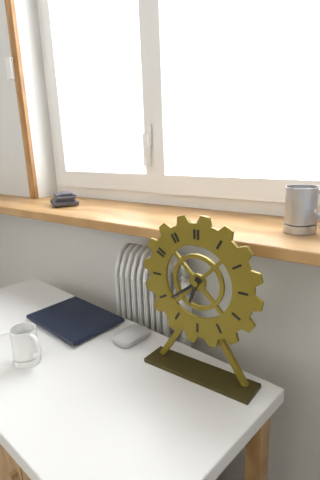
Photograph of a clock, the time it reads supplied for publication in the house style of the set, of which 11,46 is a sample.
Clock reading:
6,39
